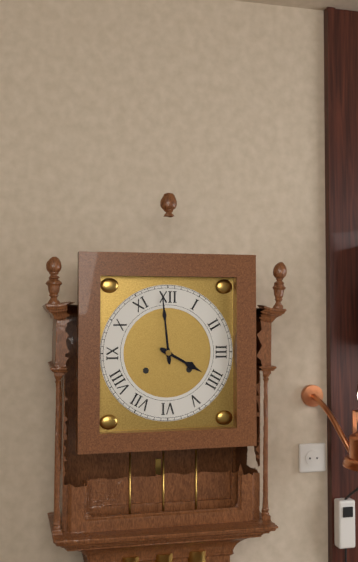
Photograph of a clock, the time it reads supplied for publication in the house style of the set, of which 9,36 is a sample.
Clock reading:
3,59
